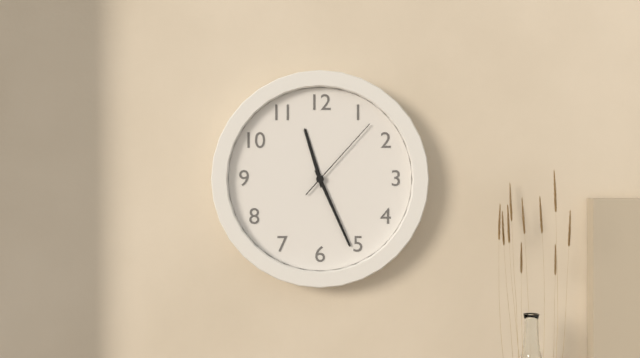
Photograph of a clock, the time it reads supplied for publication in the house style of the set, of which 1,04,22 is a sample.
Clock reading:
11,26,07
